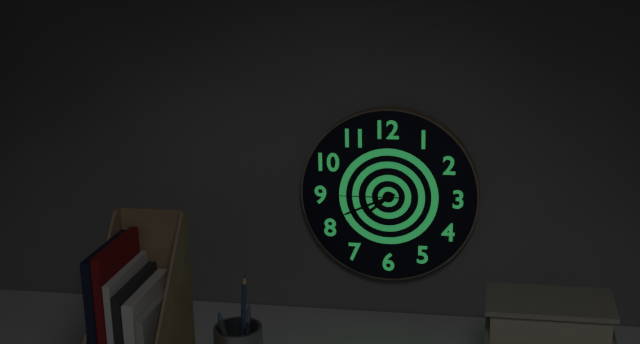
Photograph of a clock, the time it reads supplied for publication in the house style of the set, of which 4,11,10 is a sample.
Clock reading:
7,41,45
